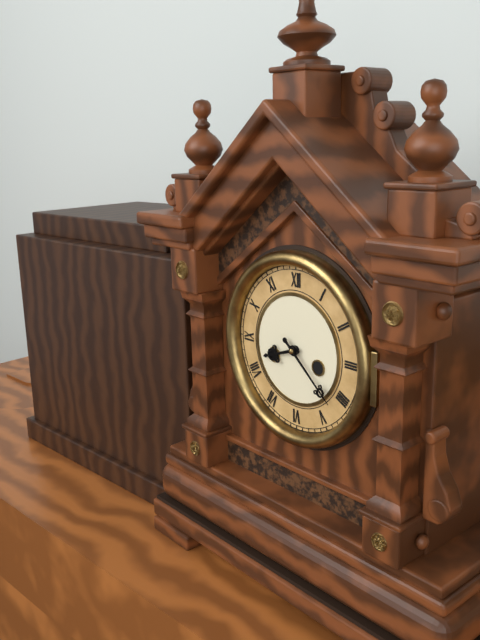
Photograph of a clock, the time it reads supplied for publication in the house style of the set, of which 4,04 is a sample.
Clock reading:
8,22
